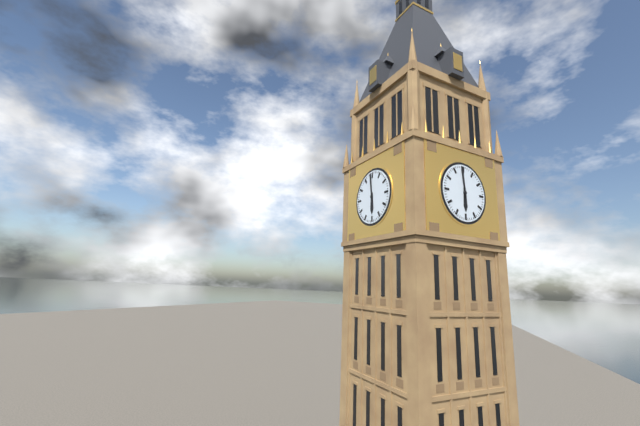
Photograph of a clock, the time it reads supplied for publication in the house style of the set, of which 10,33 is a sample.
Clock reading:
5,59
